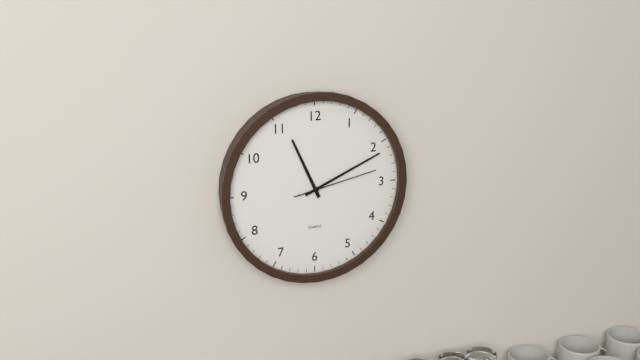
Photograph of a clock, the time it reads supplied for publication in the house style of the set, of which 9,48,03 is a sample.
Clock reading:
11,11,13
